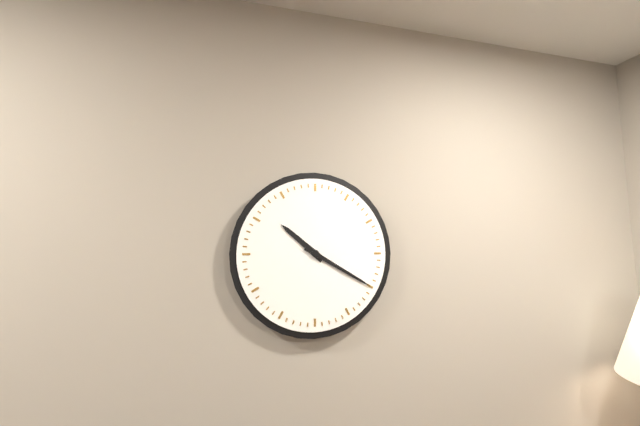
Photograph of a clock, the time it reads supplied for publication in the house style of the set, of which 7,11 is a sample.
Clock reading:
10,20
